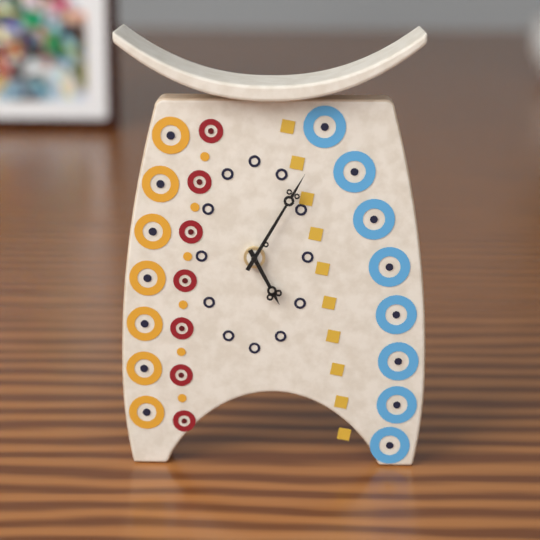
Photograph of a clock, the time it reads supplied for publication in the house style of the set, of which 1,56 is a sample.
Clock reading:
5,05
